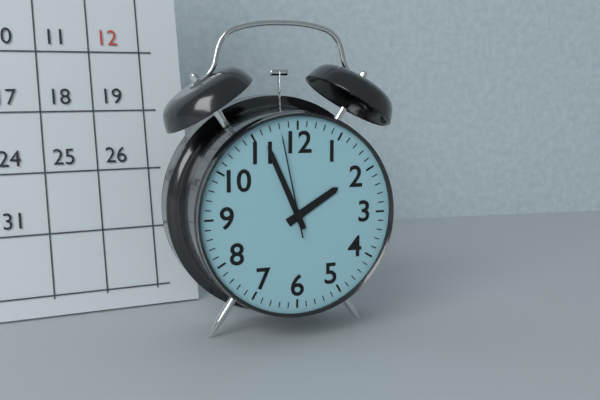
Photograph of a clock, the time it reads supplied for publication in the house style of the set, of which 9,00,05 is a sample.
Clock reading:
1,56,58
